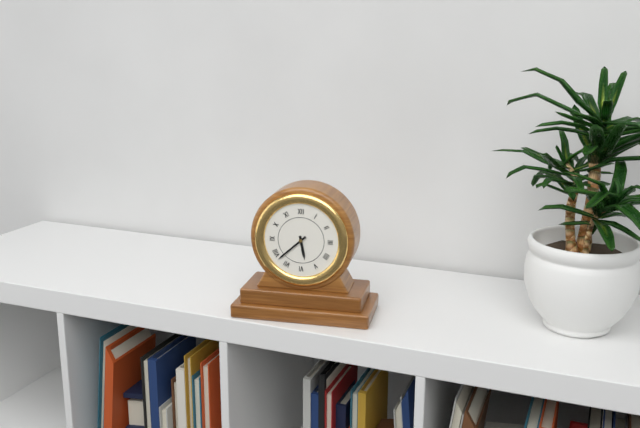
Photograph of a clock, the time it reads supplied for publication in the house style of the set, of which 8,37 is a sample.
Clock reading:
5,38
